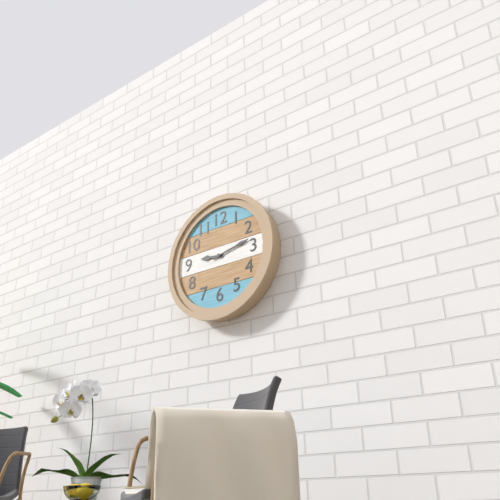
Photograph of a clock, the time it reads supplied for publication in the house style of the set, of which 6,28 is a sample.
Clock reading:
9,13
